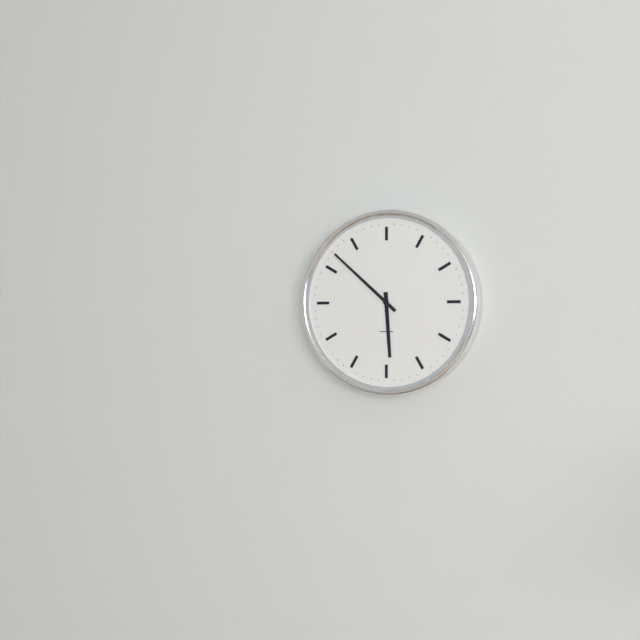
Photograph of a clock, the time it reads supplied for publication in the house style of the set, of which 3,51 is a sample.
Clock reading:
5,52
